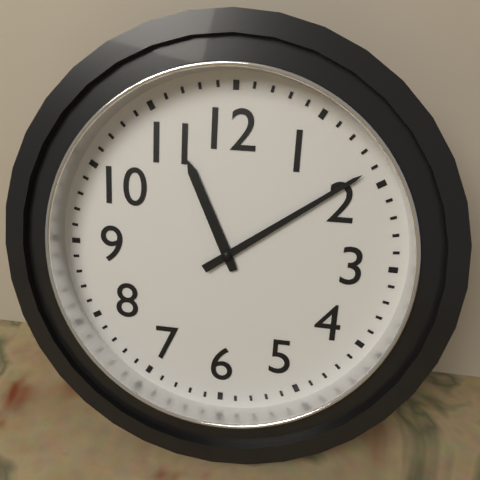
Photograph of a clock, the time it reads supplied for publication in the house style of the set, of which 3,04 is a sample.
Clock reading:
11,09
